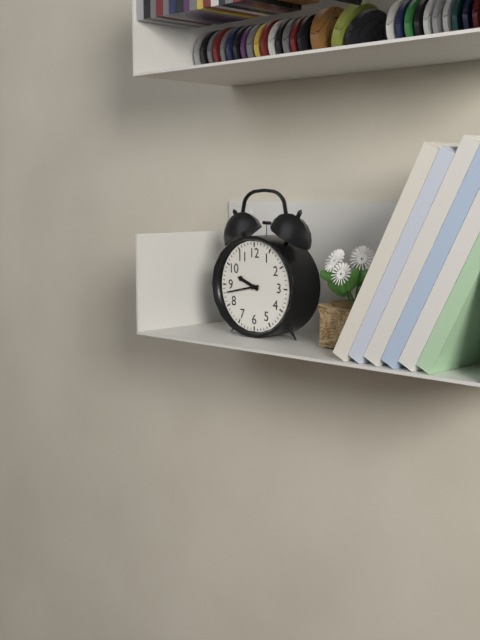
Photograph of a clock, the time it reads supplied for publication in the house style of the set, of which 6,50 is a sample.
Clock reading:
9,43
